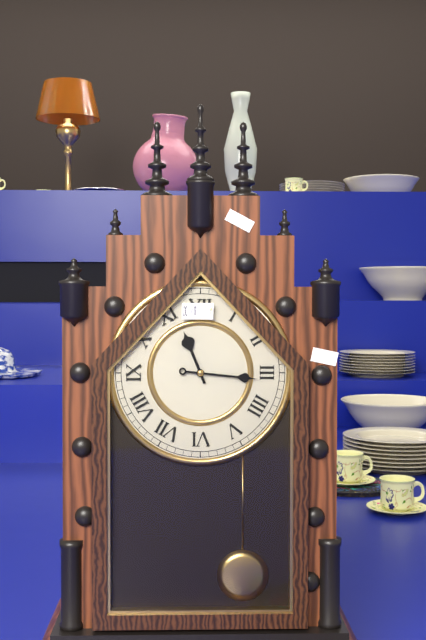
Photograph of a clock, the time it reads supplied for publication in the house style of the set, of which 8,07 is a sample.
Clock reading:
11,16
